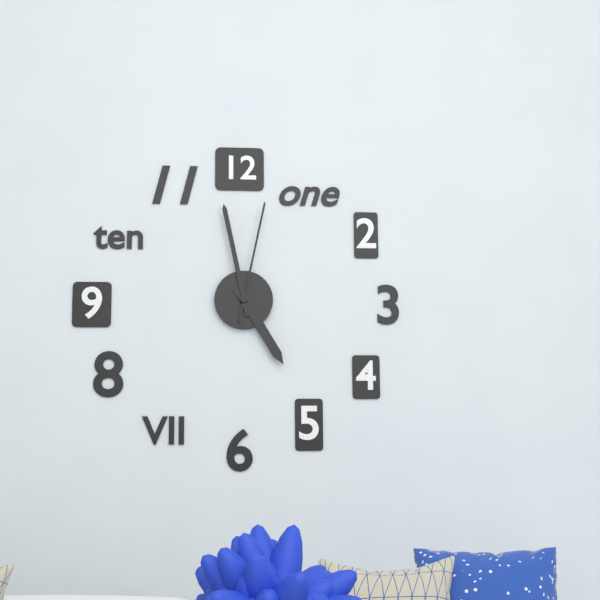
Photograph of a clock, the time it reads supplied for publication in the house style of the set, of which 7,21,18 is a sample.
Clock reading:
4,58,02
